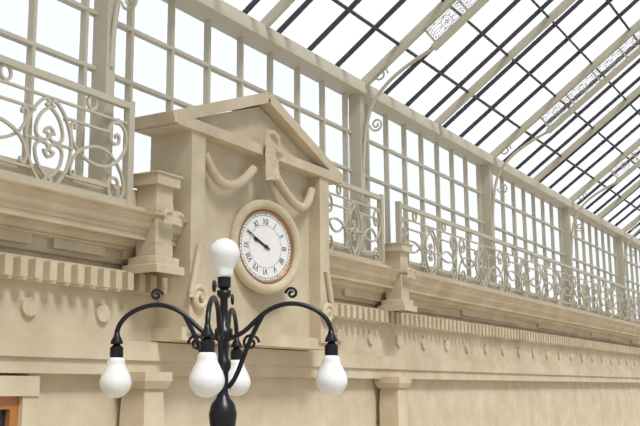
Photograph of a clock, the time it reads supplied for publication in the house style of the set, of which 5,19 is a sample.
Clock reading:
9,50
